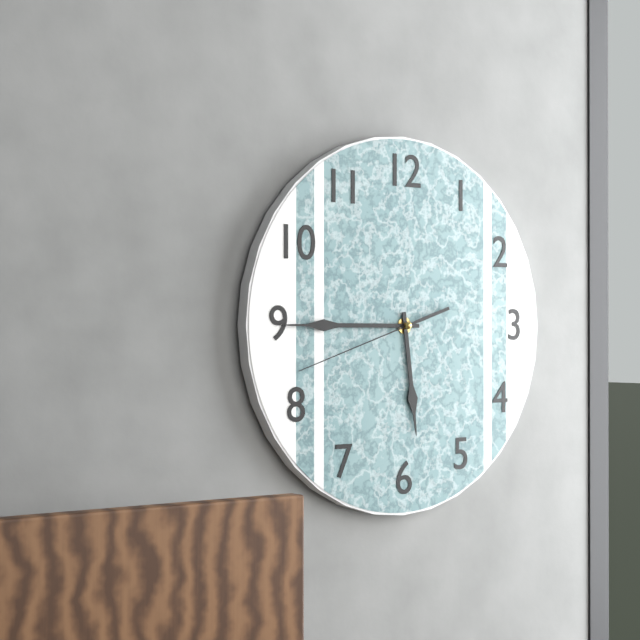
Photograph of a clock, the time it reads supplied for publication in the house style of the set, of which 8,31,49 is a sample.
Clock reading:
5,45,42
